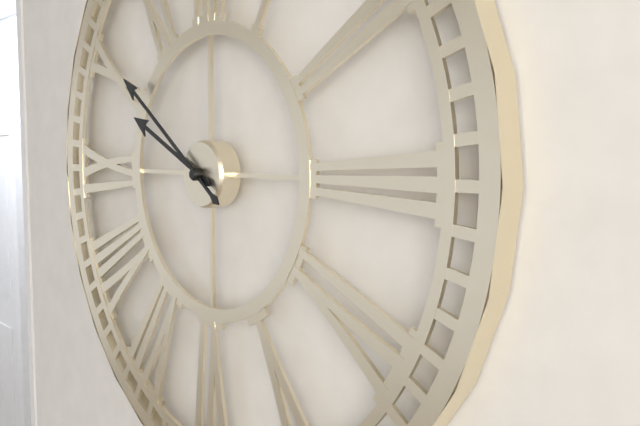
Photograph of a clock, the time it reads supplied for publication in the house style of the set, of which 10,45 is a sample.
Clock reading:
9,51
